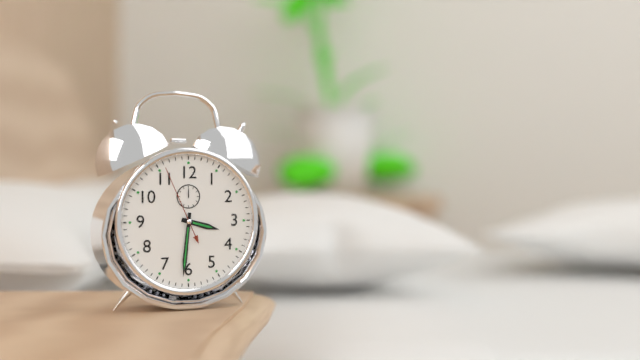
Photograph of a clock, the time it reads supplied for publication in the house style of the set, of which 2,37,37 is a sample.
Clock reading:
3,31,56
